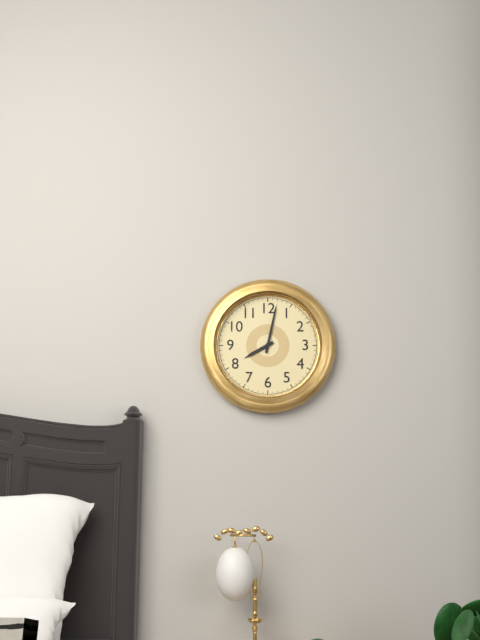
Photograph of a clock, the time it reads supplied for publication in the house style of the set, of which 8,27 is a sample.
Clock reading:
8,02
